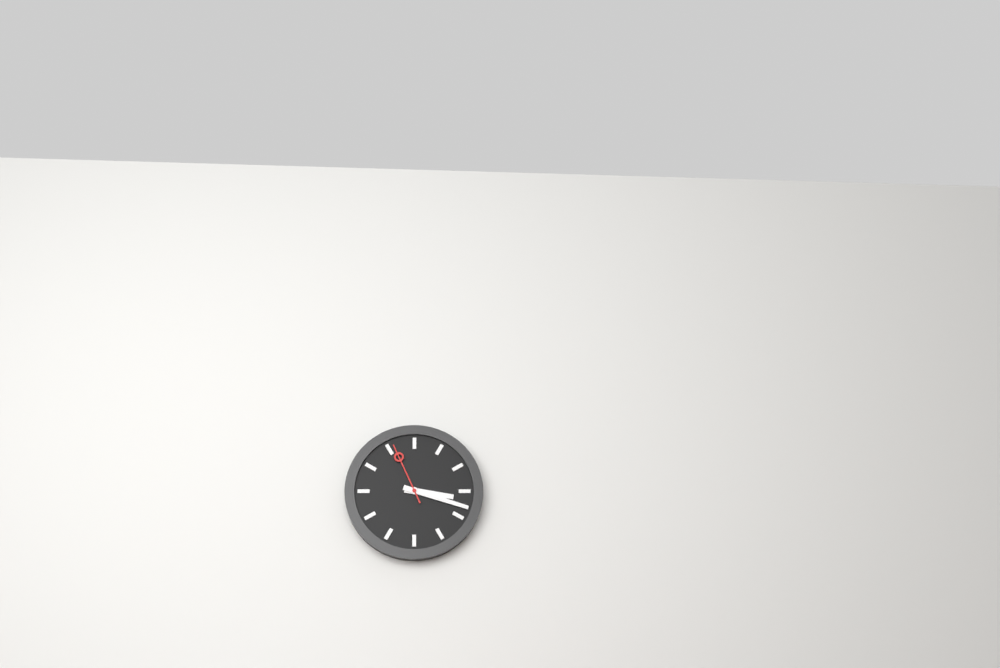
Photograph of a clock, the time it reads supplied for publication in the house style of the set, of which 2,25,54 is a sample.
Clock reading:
3,18,56
